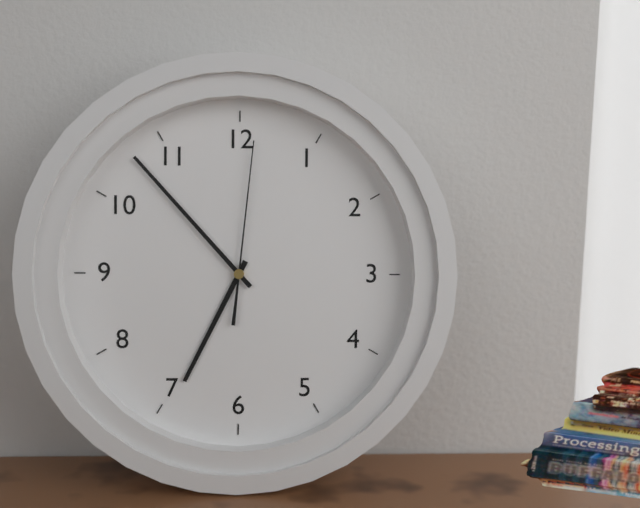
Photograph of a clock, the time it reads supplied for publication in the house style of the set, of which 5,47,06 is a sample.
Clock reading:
6,53,01
